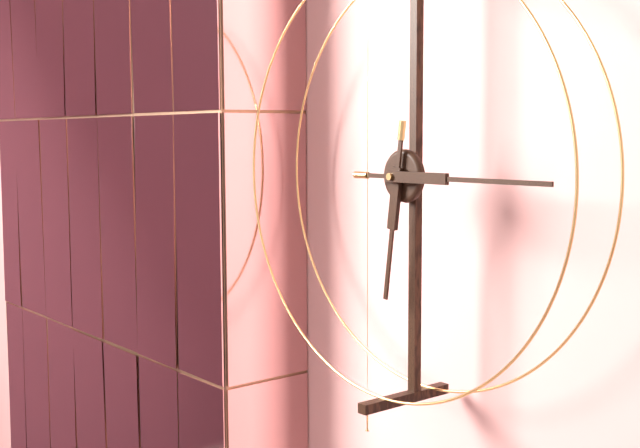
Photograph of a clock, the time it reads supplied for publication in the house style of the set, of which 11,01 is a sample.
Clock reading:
6,15
